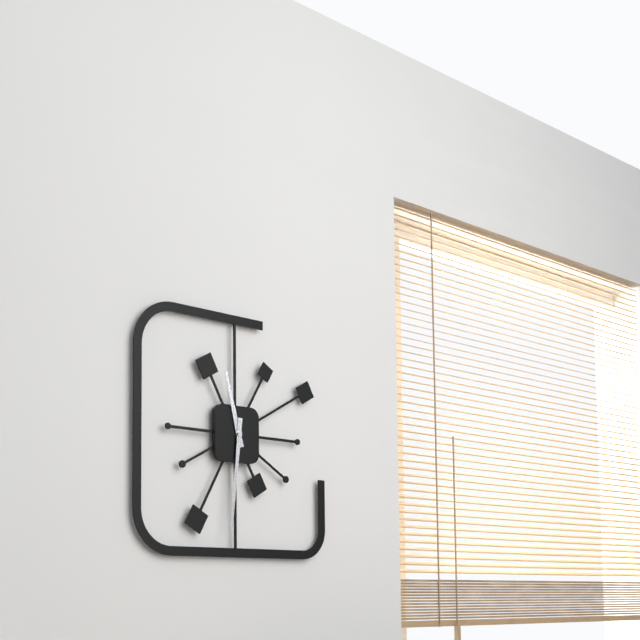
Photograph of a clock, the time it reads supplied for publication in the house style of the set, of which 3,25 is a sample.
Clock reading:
11,31
